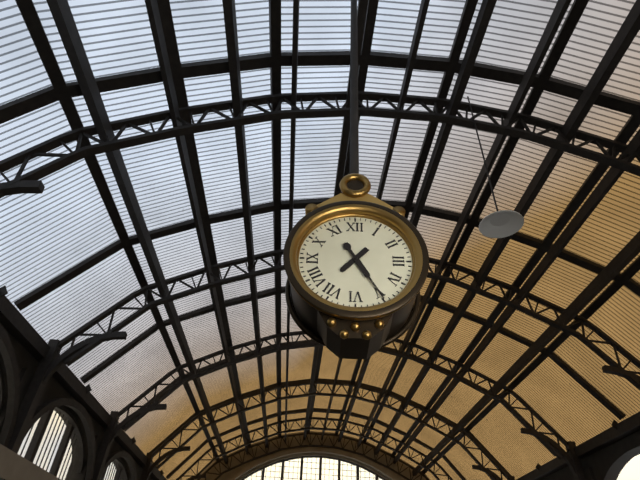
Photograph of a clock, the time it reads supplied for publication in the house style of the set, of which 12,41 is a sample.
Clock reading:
7,25
